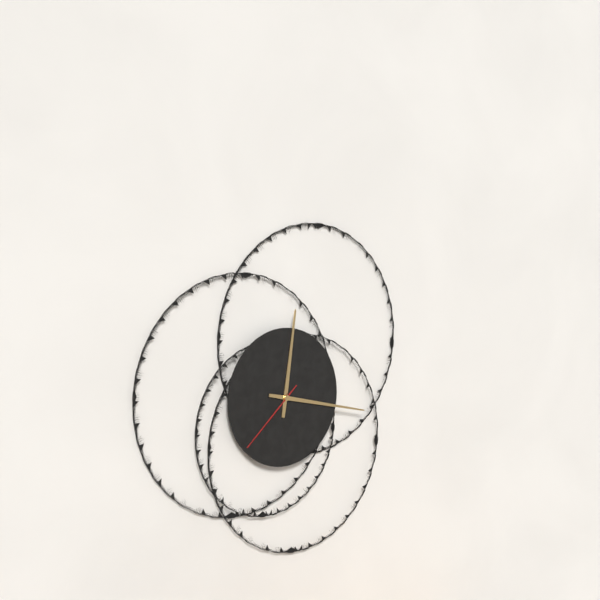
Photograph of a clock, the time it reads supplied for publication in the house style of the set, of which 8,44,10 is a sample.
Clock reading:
12,17,38
